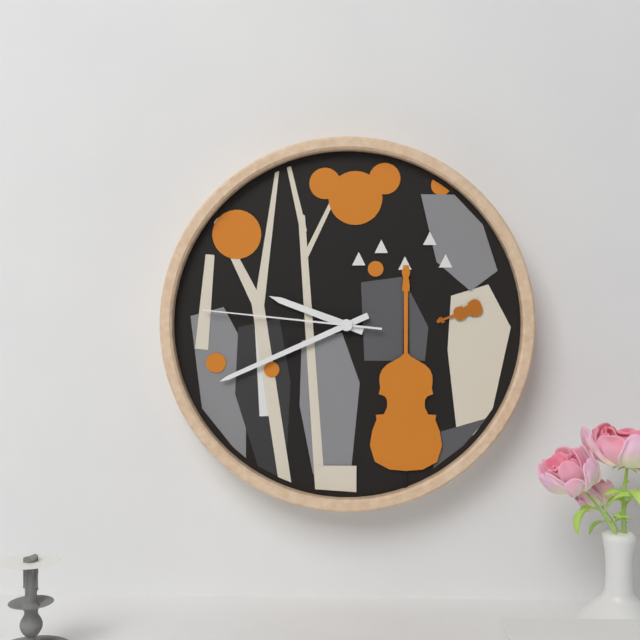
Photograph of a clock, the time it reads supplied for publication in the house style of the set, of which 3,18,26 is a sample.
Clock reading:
9,41,46
